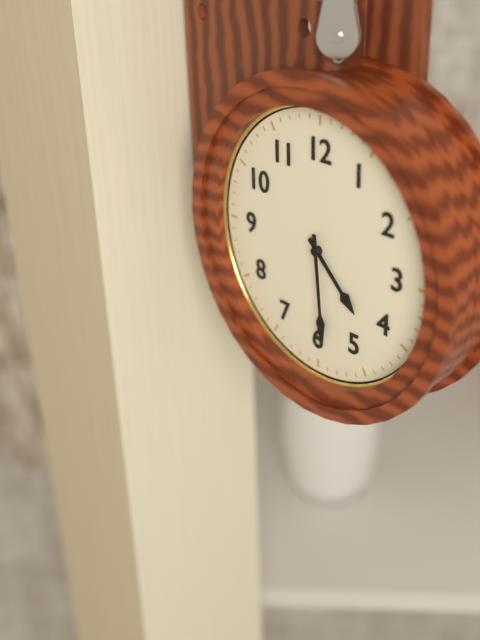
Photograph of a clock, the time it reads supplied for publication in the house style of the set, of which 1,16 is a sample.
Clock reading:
4,29
